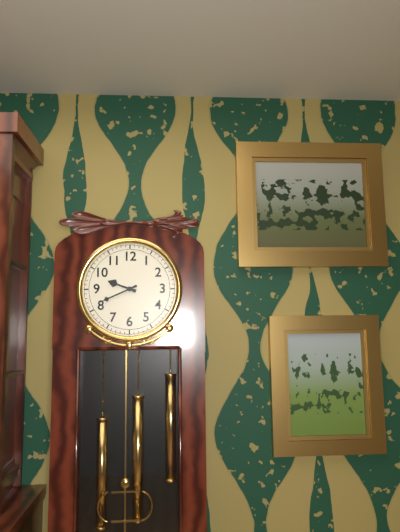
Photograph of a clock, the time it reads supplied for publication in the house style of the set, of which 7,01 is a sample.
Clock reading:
9,41
